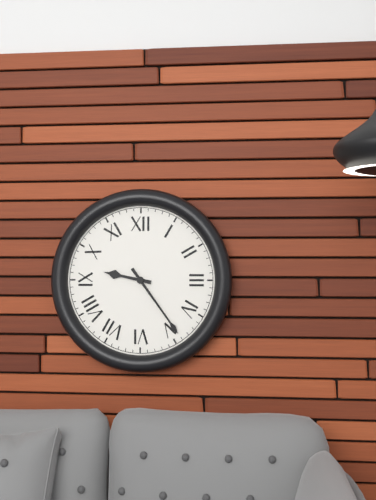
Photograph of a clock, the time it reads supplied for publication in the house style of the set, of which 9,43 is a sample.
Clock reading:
9,24
